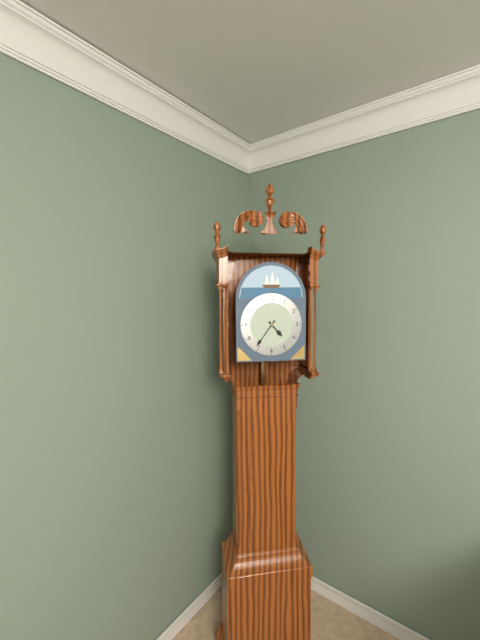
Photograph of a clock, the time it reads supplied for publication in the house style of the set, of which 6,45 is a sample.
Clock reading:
4,36
